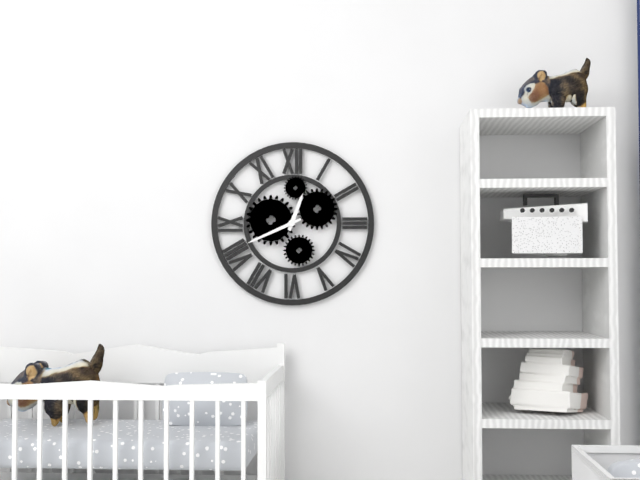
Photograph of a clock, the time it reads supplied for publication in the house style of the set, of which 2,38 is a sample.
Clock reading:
12,41
